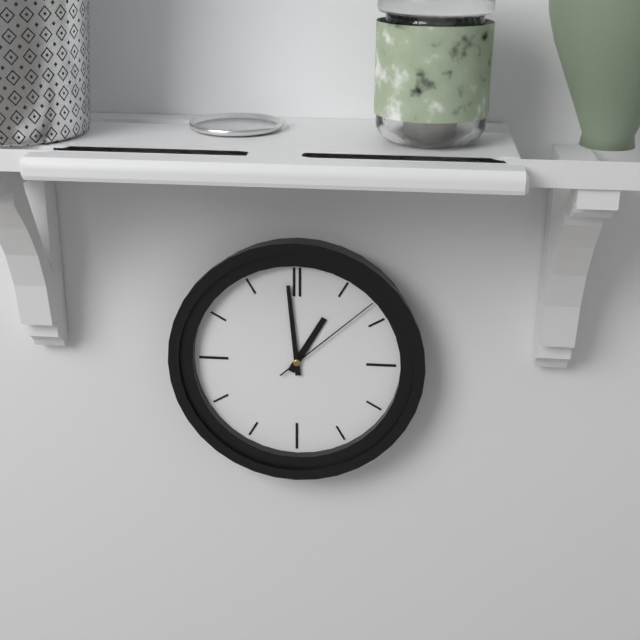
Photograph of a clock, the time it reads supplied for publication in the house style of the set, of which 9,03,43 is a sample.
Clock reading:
12,59,08
